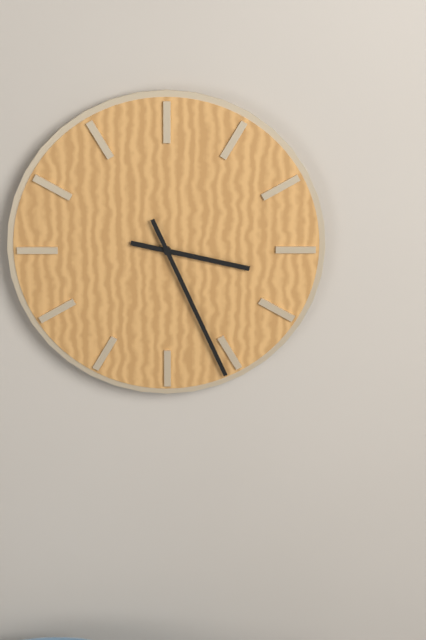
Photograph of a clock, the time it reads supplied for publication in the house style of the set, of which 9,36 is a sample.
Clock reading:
3,26
